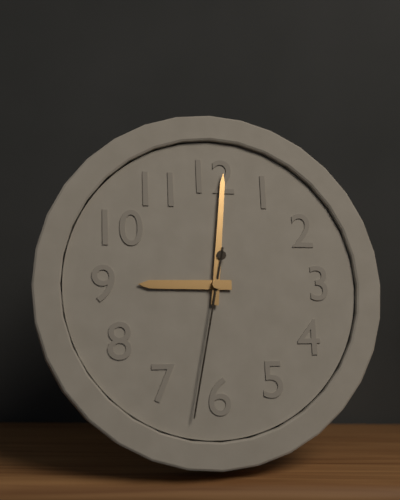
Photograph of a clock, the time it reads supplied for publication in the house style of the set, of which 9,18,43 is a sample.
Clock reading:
9,01,32
